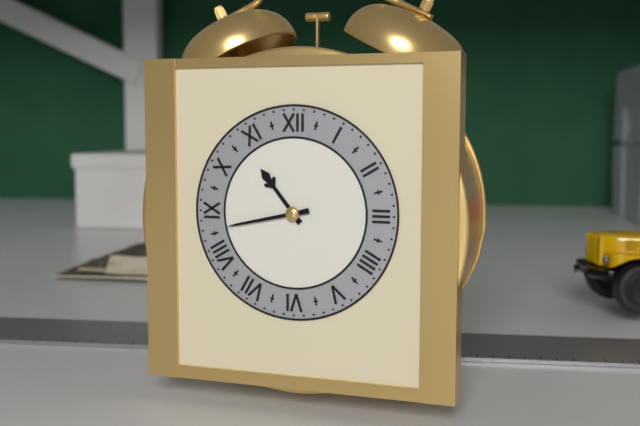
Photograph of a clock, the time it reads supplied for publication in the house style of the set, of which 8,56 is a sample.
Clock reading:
10,43
